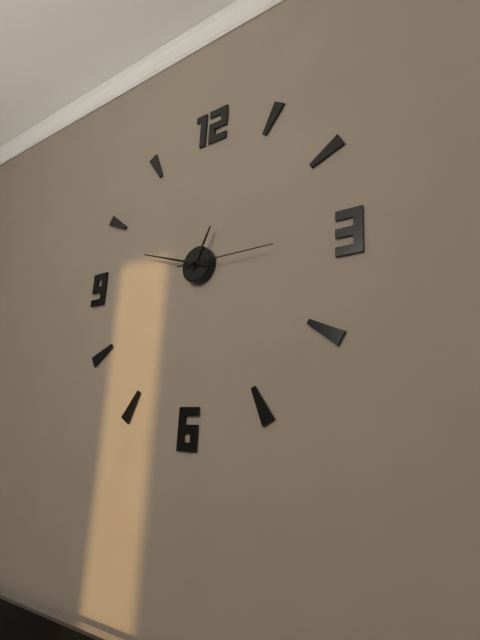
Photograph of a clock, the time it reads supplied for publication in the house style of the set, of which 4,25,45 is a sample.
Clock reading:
12,48,15
